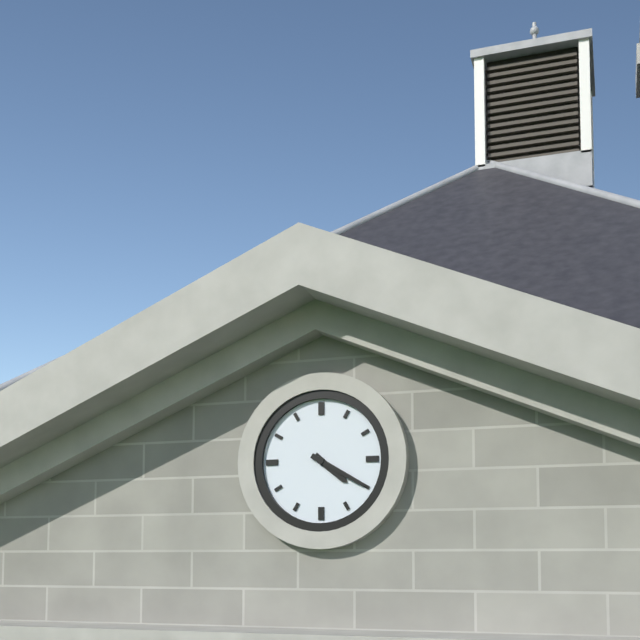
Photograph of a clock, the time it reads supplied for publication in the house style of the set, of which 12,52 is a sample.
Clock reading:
4,20
